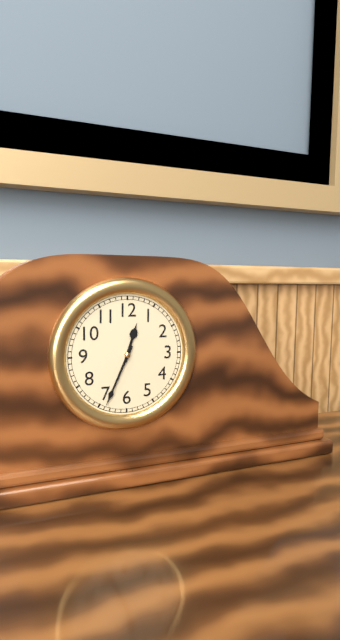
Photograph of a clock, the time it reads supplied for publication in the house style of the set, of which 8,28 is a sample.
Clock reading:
12,34
